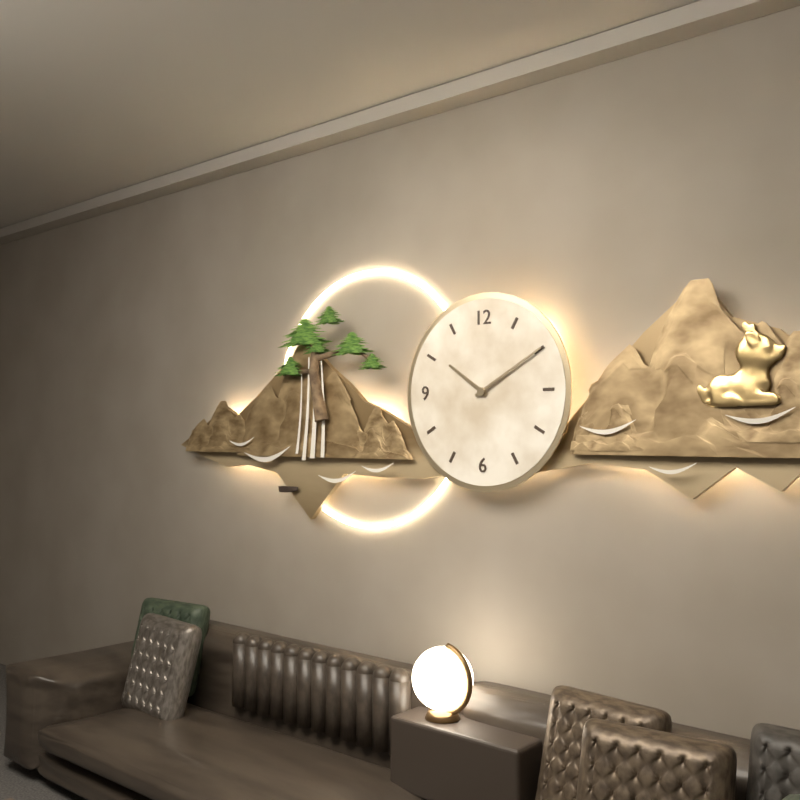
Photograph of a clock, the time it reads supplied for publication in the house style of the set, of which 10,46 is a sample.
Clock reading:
10,10
